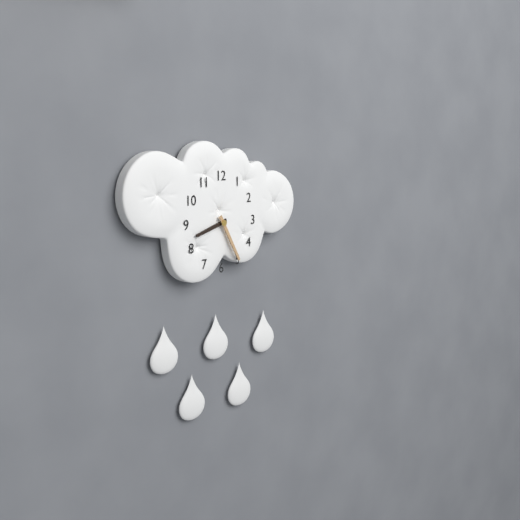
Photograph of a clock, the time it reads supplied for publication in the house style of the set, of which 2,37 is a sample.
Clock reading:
8,25
